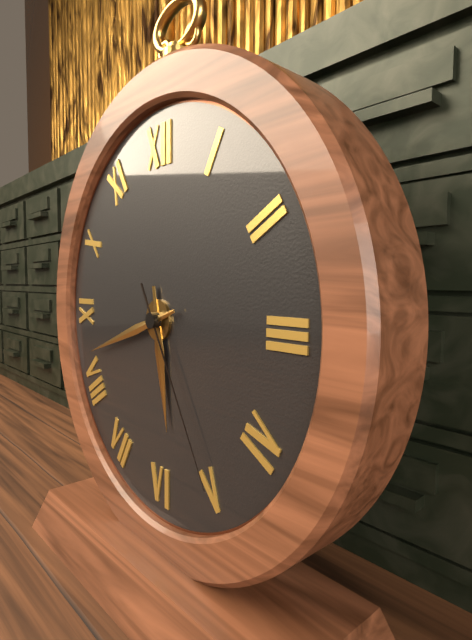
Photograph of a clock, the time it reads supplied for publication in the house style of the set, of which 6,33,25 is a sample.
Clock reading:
5,42,25
